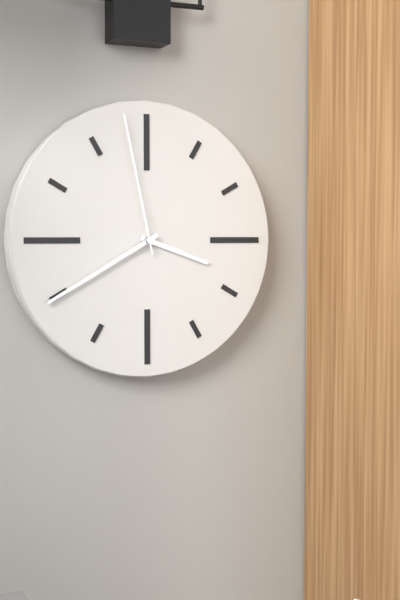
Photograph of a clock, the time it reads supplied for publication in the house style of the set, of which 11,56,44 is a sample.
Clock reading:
3,40,58
